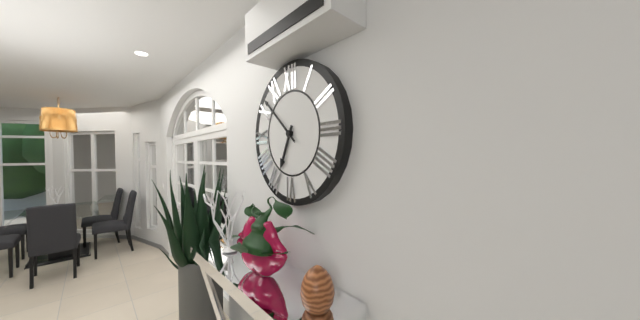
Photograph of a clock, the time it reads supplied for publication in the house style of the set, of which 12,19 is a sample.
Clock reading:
6,52
